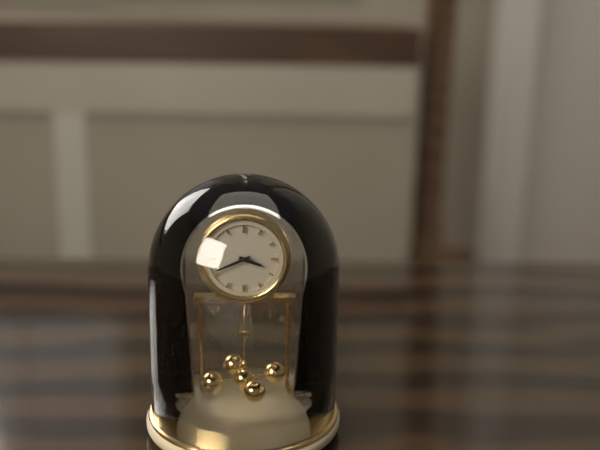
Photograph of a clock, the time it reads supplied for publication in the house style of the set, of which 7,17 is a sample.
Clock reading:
3,41
